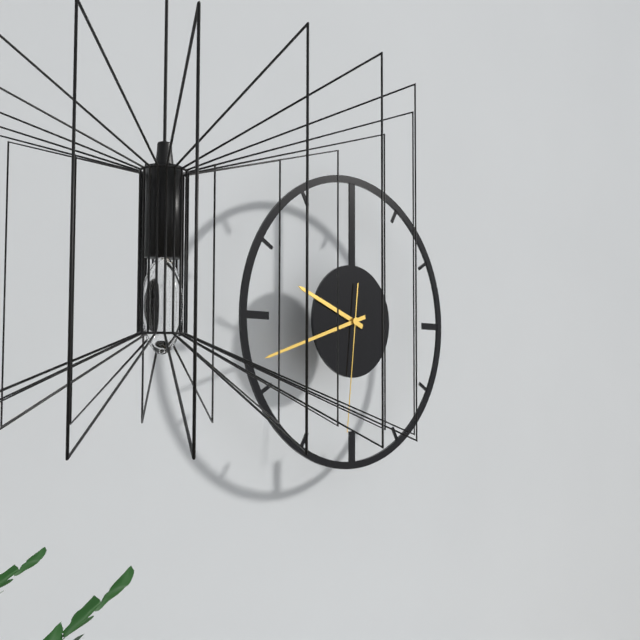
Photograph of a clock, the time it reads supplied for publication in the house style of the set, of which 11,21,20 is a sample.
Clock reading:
9,42,31
